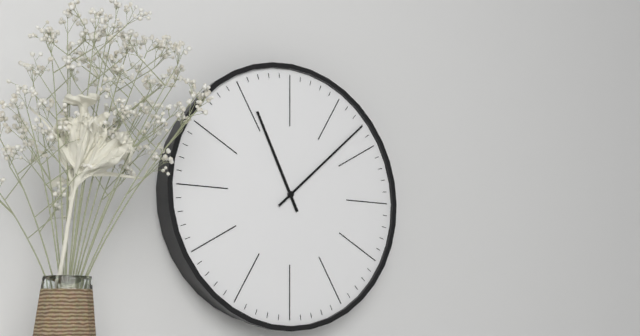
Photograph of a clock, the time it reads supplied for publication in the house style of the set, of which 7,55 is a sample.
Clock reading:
11,08
